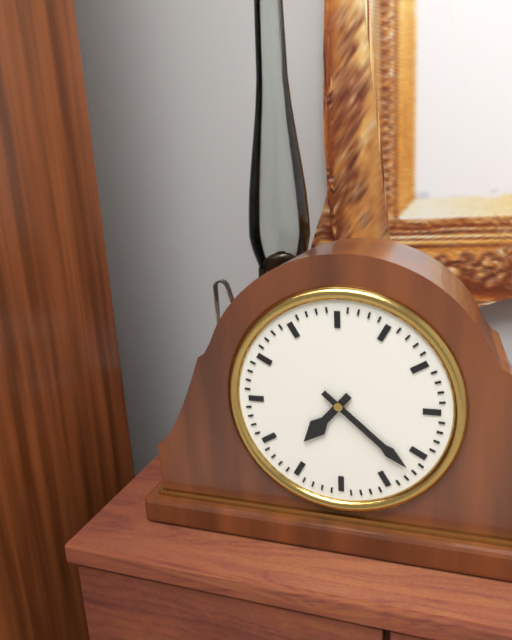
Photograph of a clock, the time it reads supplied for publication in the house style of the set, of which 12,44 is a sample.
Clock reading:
7,22
